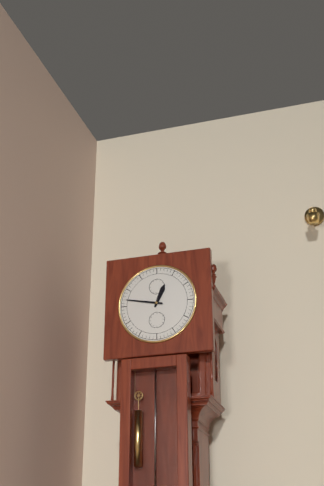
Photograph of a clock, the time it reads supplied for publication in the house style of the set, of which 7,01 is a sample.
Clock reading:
12,47
